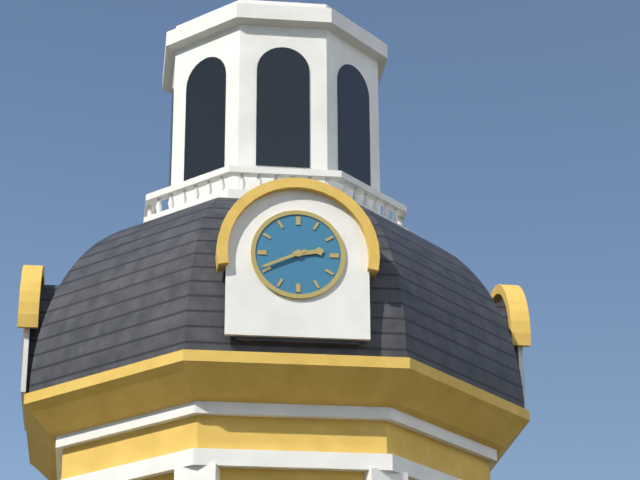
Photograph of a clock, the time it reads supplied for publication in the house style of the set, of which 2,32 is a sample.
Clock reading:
2,41
